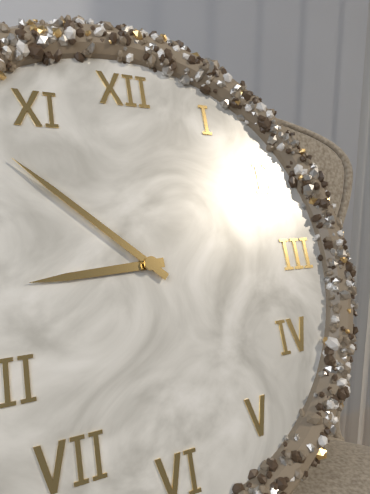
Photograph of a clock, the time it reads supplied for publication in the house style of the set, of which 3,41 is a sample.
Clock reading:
8,52
